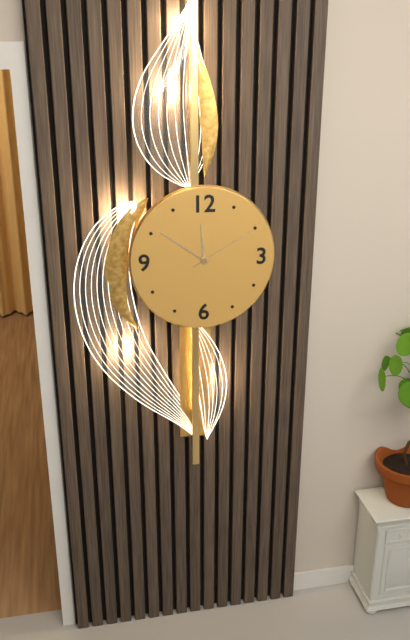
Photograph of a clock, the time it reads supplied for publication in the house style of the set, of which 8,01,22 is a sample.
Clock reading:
11,51,10
